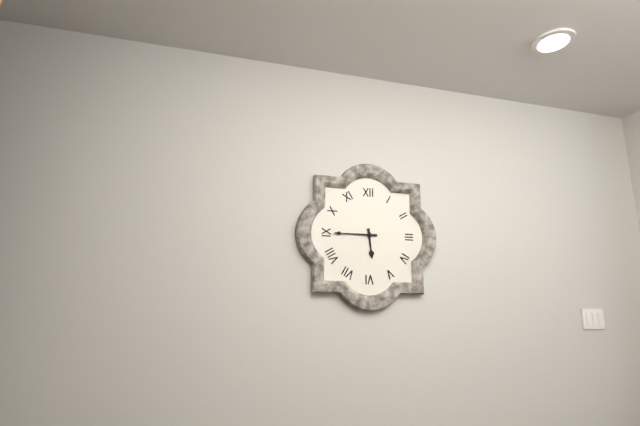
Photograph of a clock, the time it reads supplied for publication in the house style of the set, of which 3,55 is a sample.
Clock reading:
5,45
